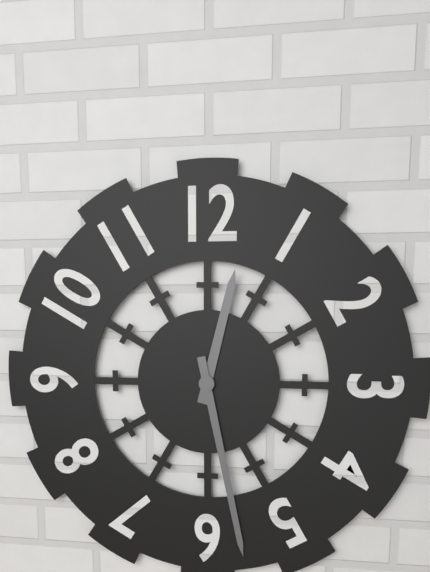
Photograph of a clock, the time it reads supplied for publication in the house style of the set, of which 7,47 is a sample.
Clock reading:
12,28
